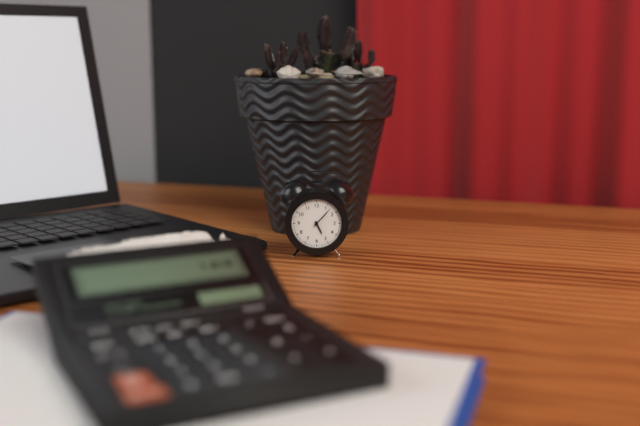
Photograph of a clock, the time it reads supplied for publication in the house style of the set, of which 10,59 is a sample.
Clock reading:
5,07
